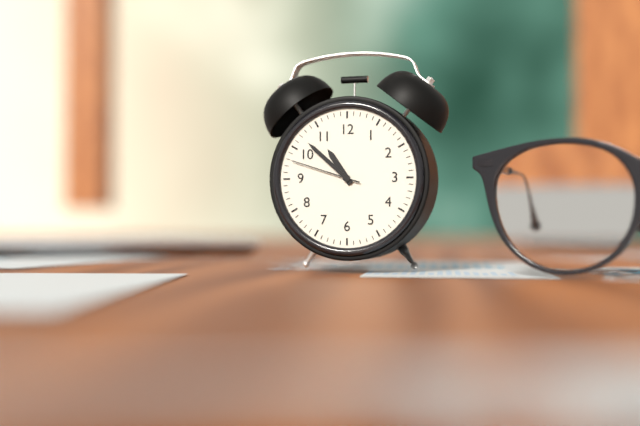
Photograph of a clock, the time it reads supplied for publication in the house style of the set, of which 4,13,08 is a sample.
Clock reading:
10,52,48
